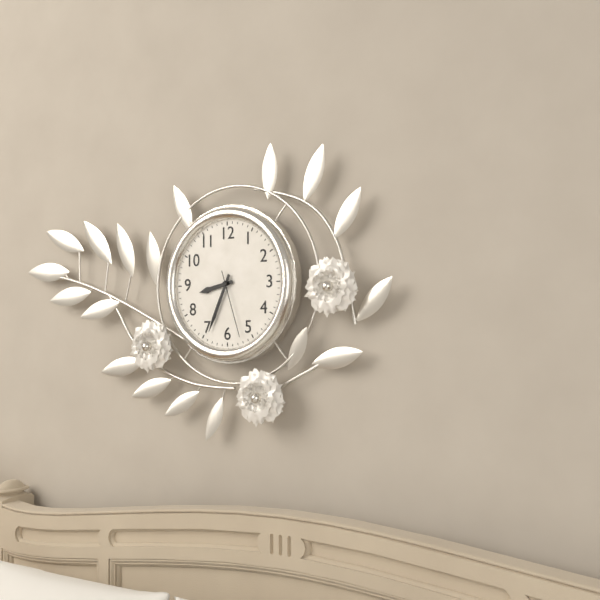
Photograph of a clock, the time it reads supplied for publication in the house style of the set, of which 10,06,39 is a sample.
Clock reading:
8,34,27
